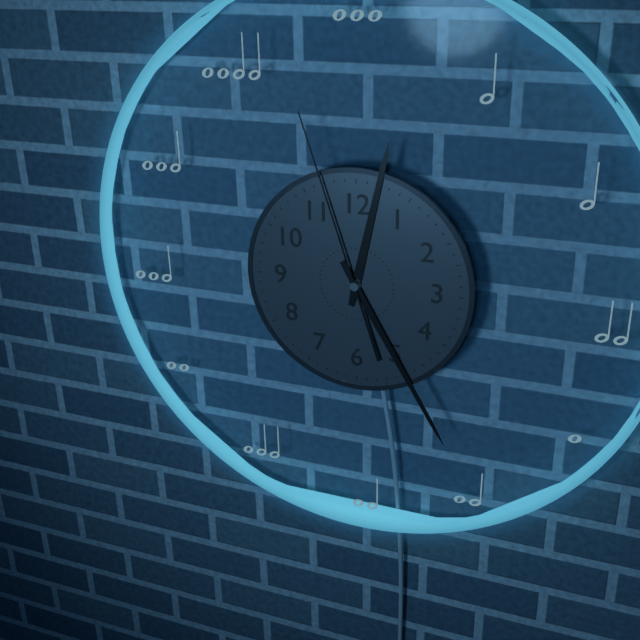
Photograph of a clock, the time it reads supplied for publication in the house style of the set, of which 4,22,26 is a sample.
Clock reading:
12,25,57
